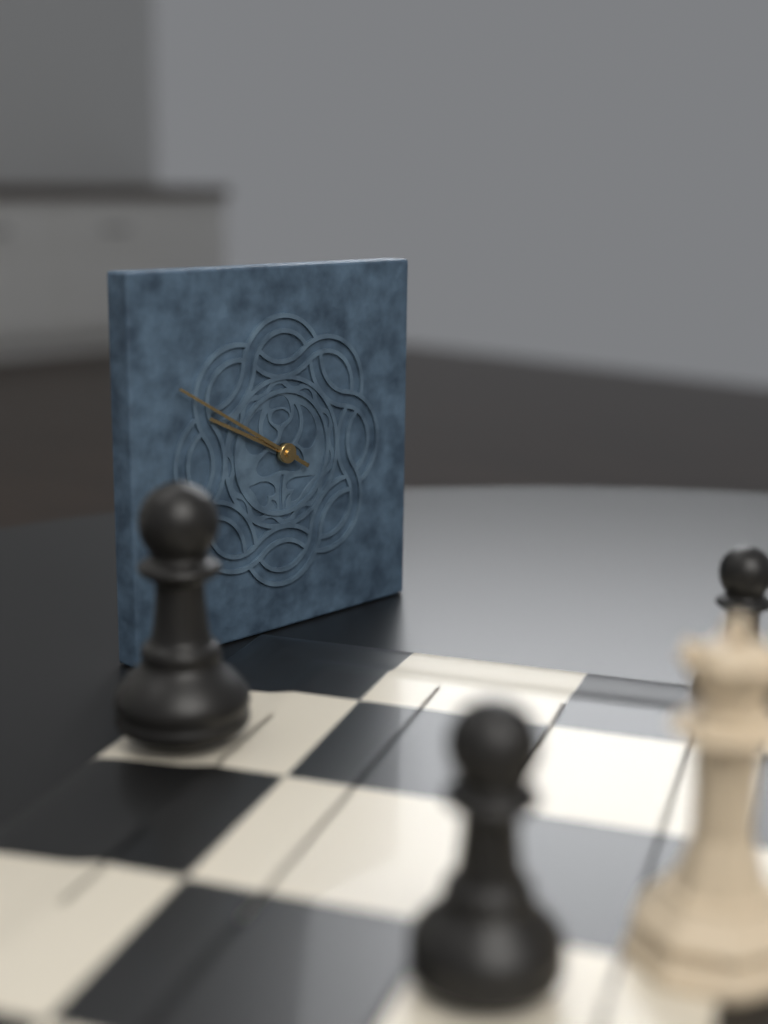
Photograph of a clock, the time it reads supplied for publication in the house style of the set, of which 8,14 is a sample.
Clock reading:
9,50
